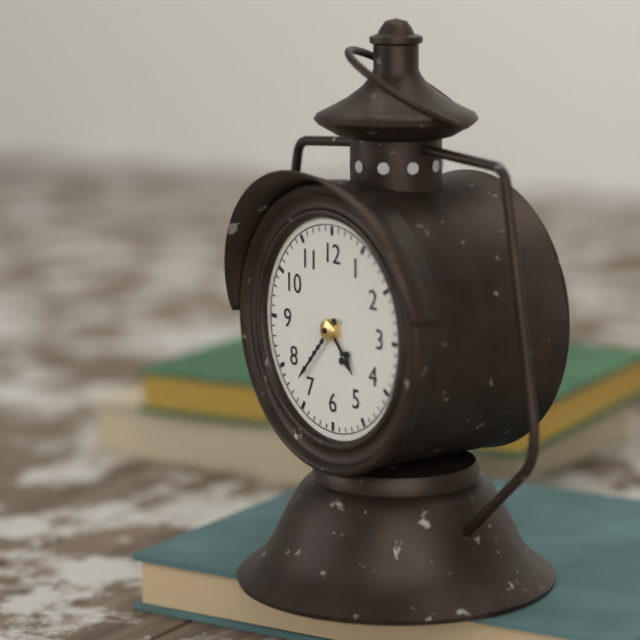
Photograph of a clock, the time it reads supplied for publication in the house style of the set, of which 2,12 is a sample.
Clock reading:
4,37
